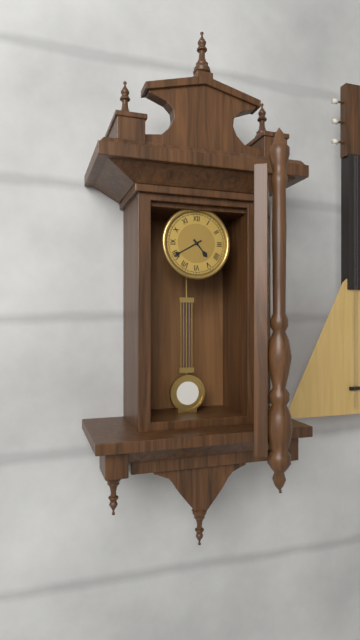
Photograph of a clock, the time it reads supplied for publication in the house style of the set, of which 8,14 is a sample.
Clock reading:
4,40
